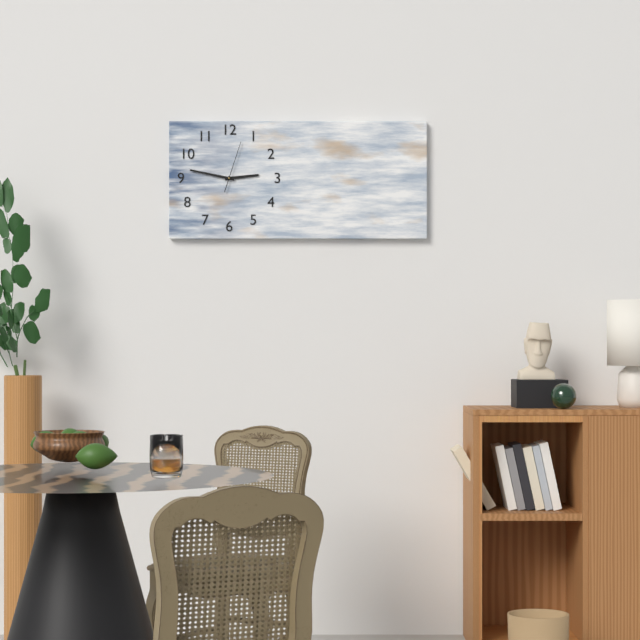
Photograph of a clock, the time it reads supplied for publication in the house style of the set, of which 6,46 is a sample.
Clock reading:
2,47
